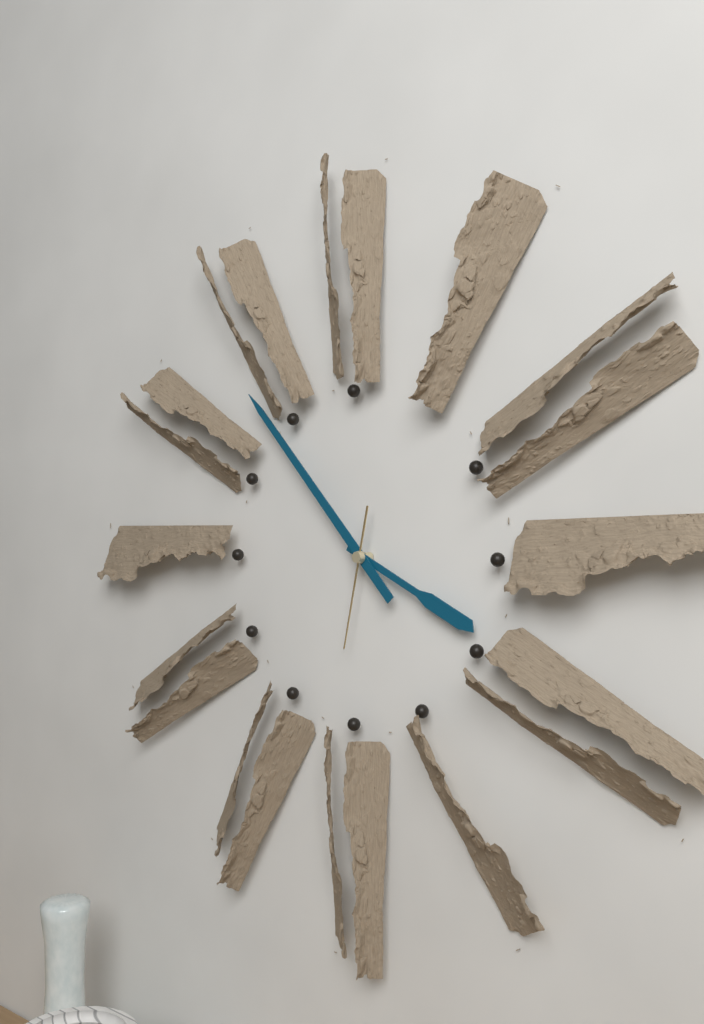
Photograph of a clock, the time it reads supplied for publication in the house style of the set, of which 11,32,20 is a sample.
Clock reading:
3,53,32
